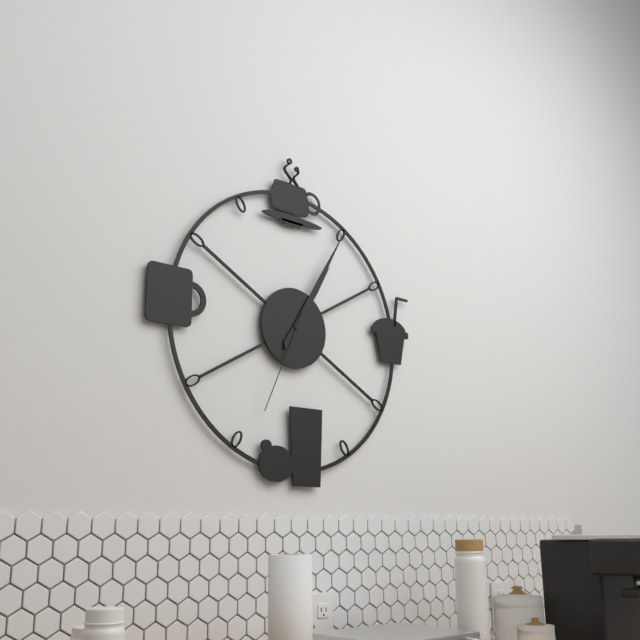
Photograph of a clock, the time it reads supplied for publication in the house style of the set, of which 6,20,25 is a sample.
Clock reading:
1,05,34
